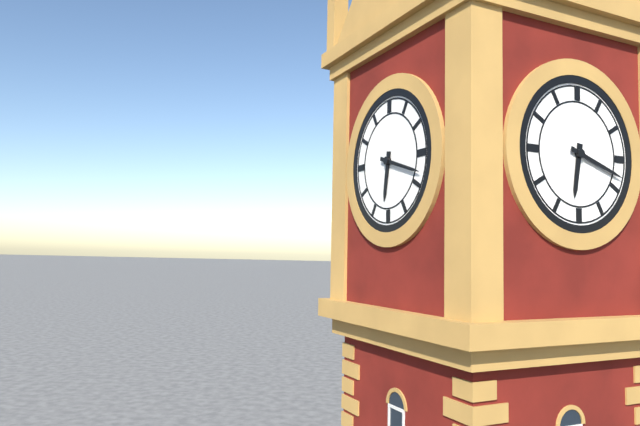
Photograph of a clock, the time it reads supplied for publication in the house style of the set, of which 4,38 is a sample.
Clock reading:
6,18
